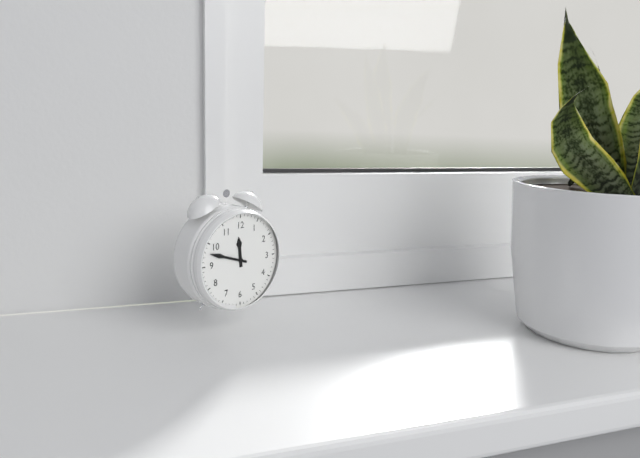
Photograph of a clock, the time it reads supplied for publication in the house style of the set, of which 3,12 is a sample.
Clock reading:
11,48
